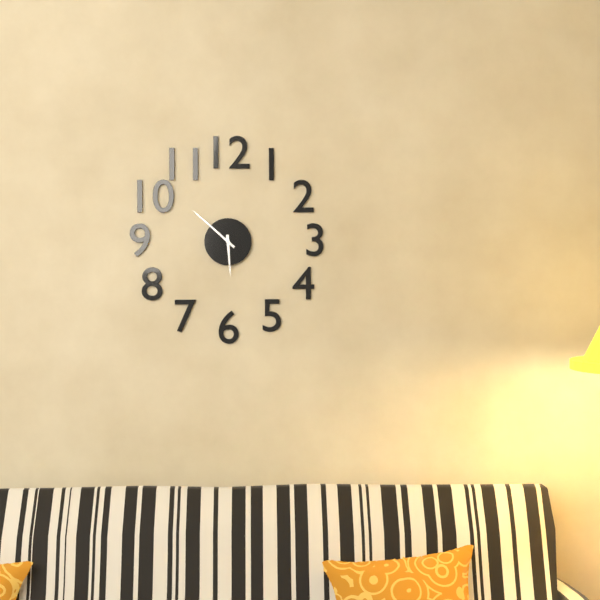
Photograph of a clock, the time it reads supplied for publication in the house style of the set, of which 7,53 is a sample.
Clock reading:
5,52
